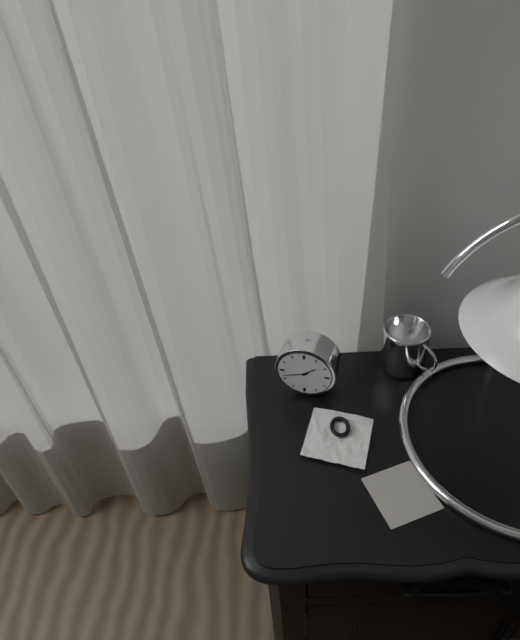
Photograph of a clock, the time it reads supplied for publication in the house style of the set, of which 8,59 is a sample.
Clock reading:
1,42
